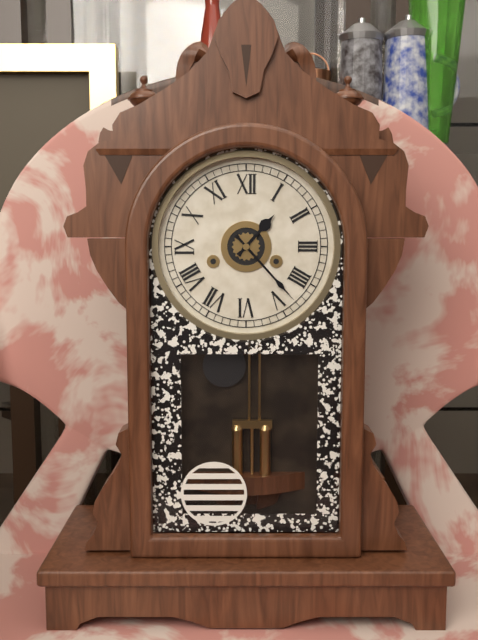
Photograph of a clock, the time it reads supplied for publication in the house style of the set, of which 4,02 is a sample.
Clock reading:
1,23
